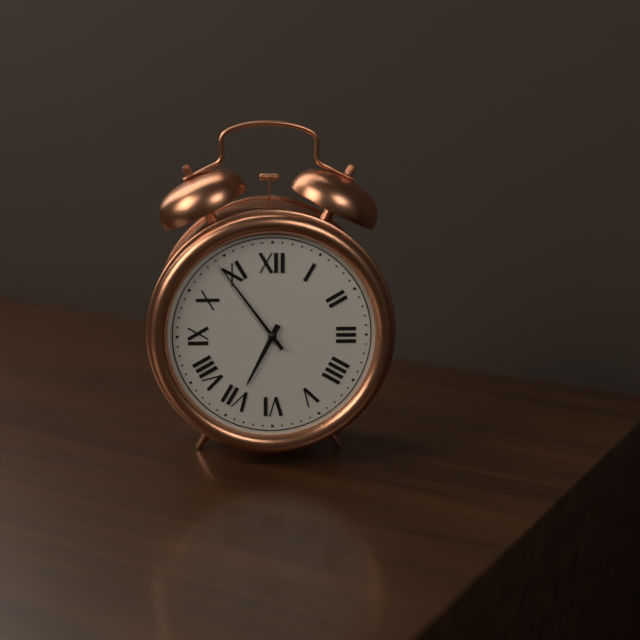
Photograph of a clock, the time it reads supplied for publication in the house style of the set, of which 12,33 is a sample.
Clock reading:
6,54
